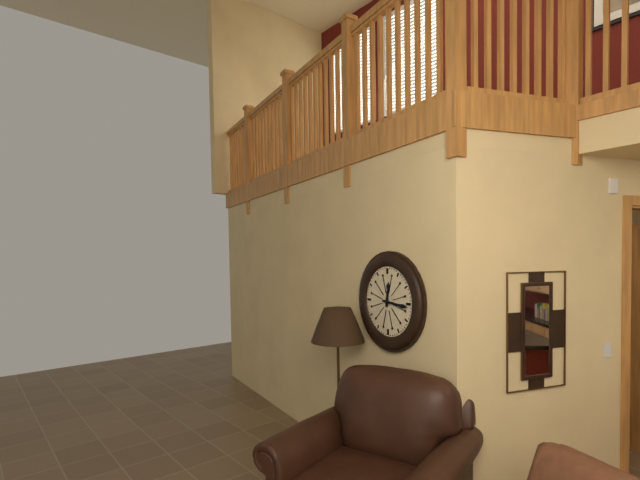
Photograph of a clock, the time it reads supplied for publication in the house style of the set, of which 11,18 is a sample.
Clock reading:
12,16
